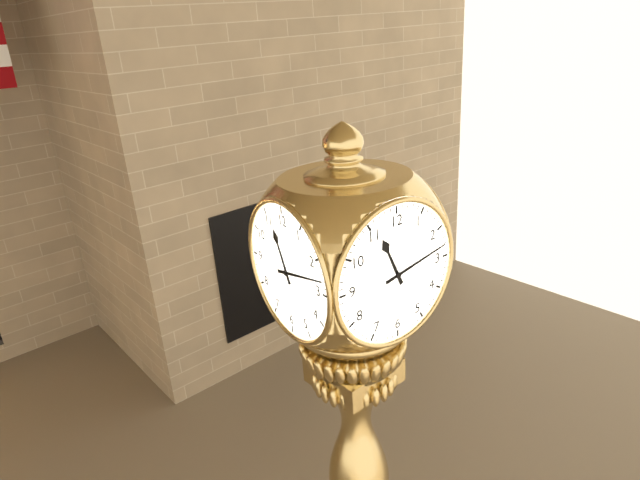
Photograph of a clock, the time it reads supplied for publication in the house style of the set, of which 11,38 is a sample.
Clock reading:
11,13
